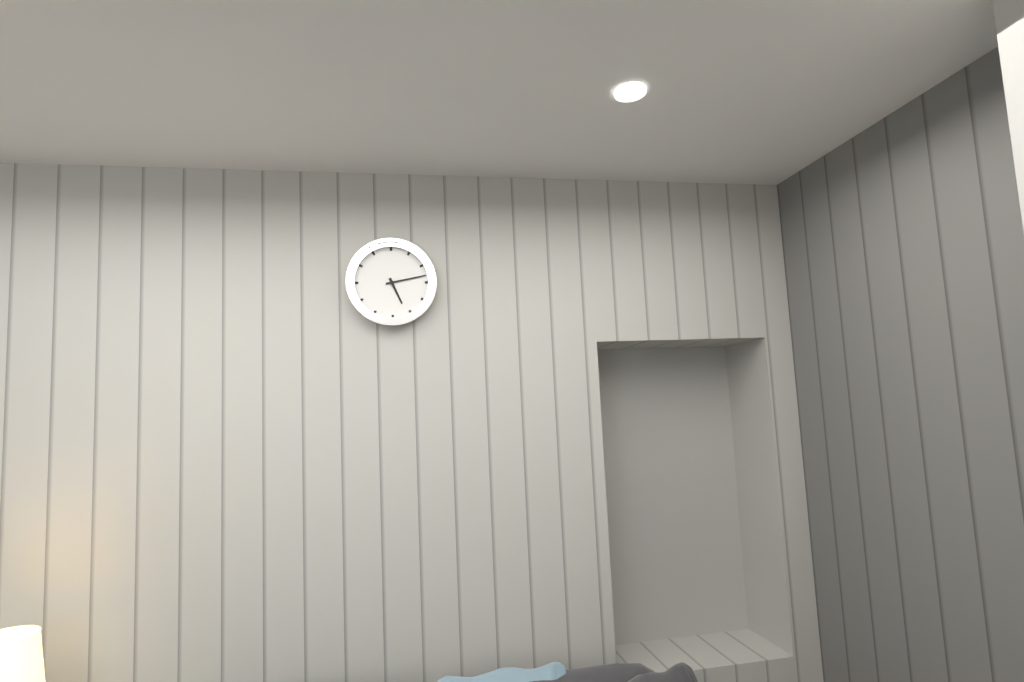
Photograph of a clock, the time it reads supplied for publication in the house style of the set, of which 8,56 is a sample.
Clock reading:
5,13
